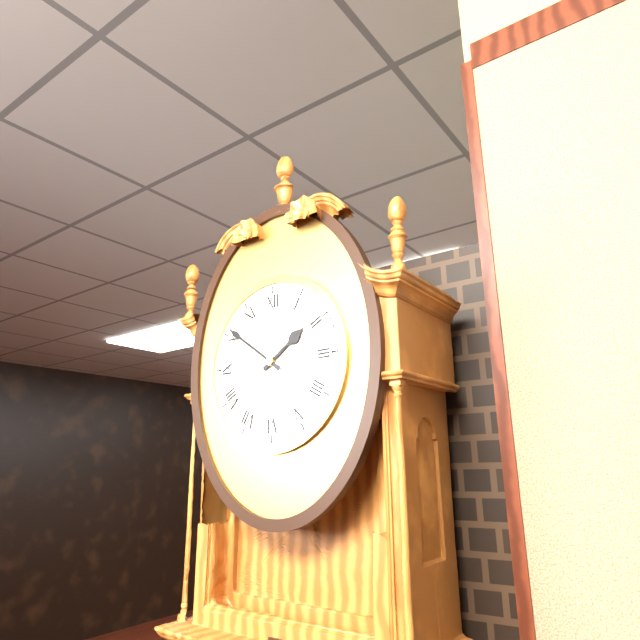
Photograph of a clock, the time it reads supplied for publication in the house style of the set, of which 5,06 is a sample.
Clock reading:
1,51
